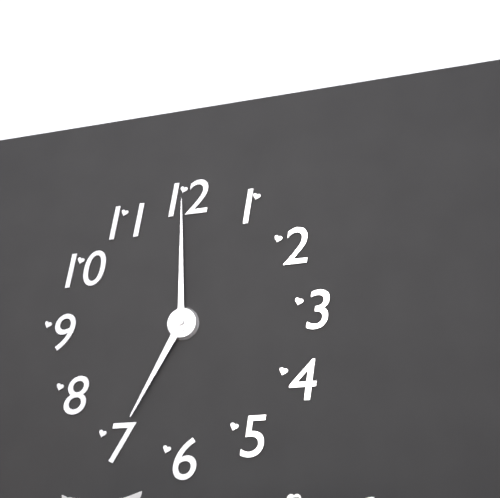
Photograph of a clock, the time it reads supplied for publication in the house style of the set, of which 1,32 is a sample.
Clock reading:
7,00
